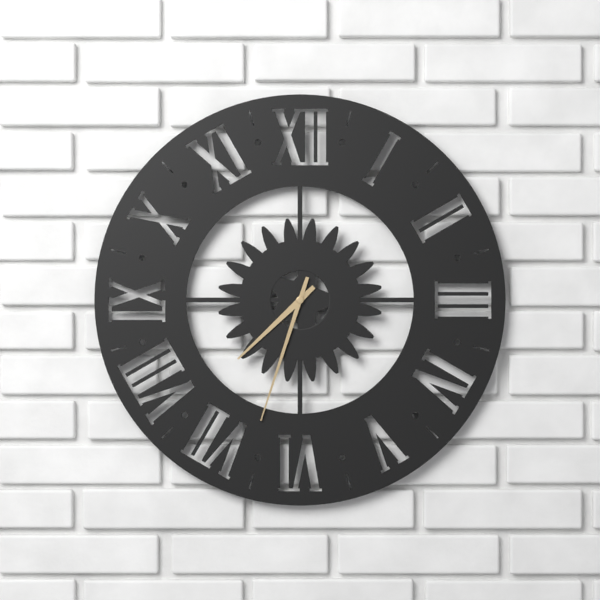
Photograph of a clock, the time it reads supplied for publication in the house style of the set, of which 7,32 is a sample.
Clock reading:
7,33
